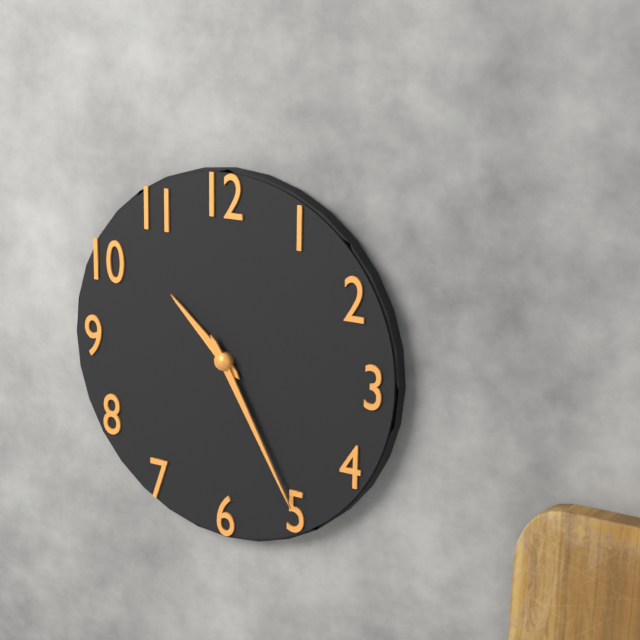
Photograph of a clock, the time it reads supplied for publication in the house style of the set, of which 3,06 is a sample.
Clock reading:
10,25
